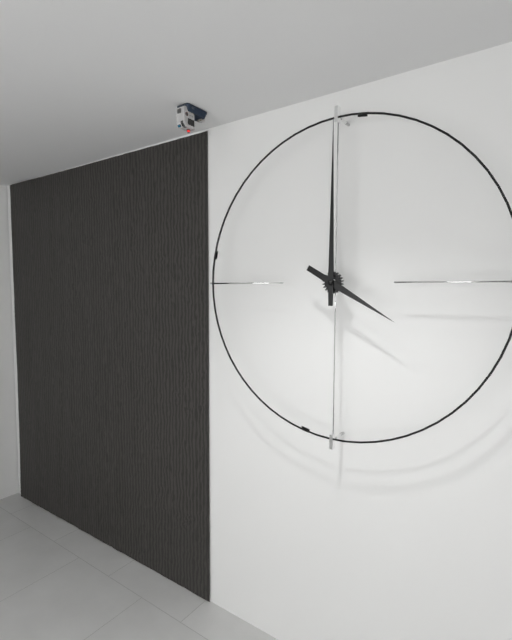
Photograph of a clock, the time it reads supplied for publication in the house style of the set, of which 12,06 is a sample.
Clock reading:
4,00
